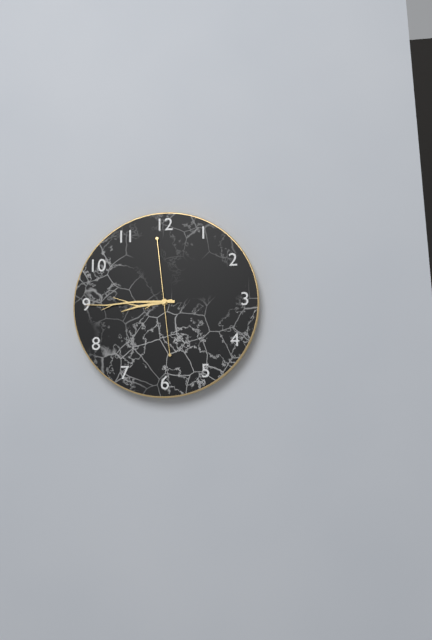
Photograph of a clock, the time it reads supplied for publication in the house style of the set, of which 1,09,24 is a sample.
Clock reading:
8,45,59
